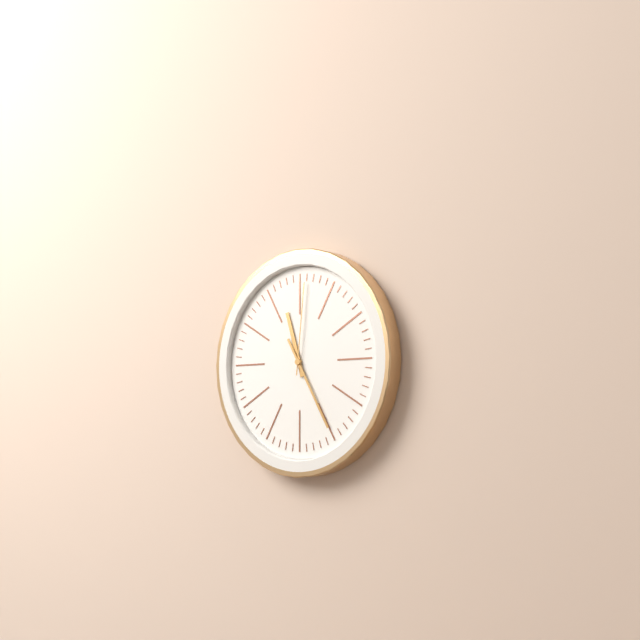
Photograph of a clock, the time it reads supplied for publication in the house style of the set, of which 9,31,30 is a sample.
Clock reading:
11,25,01
